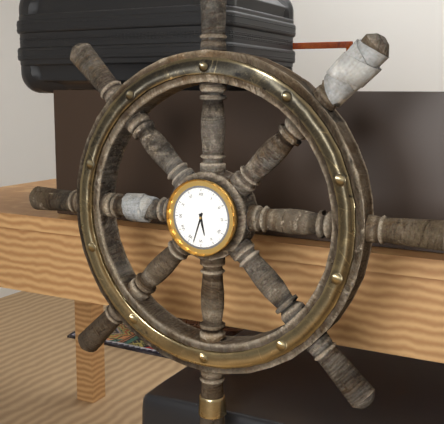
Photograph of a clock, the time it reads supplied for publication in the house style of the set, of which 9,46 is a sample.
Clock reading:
5,33
